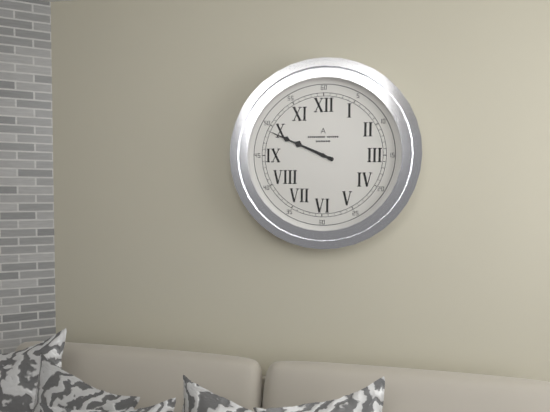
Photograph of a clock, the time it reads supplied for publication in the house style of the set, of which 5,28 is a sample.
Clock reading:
9,49
